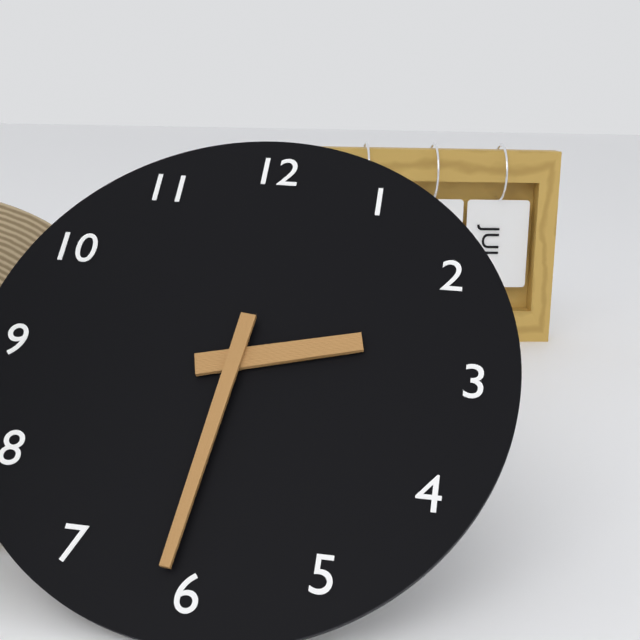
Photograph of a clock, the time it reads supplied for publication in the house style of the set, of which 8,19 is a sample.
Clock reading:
2,31
